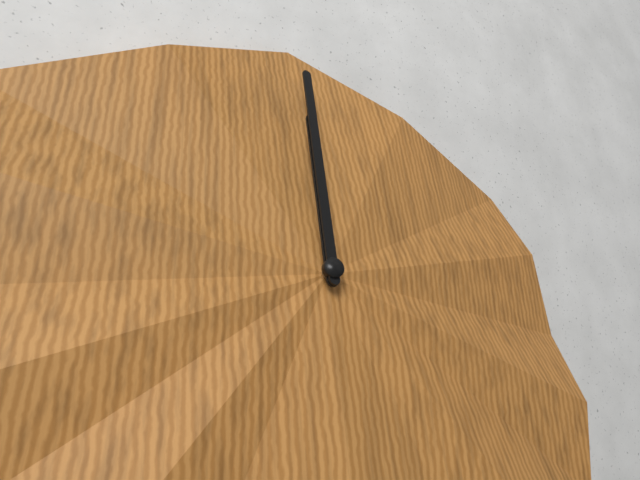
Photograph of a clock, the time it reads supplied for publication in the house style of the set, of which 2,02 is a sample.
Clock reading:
12,00
